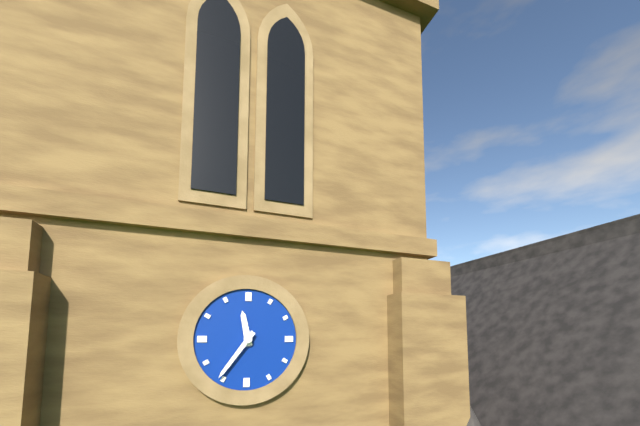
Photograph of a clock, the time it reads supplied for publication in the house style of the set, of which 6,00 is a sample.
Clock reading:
11,36
